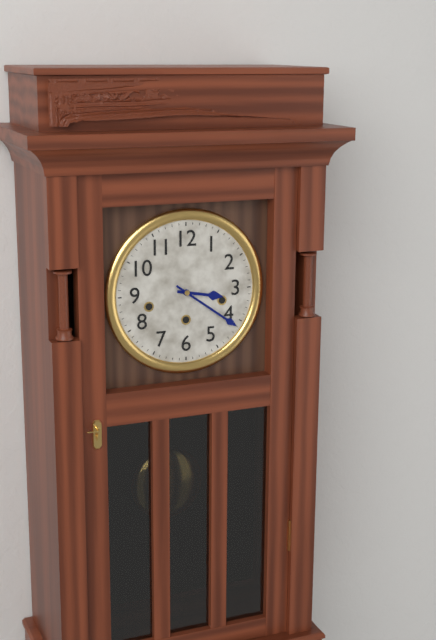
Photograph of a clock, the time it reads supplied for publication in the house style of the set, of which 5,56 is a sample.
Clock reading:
3,21
